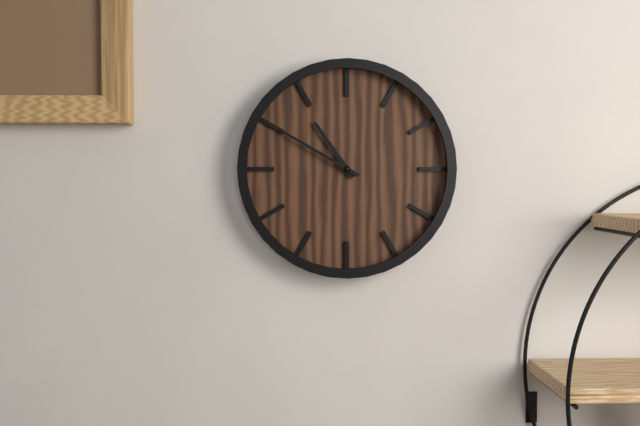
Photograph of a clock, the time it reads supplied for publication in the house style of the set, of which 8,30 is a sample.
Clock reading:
10,50
